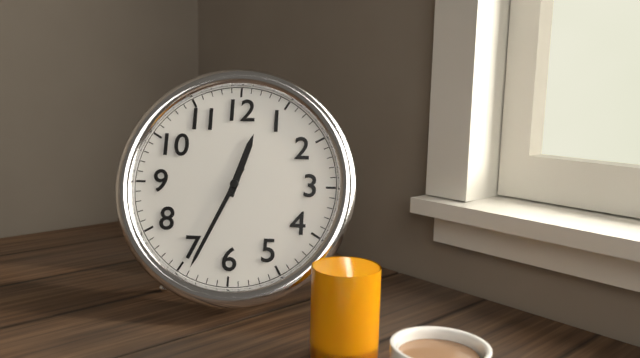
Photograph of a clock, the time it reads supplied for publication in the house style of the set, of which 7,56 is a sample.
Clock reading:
12,34
